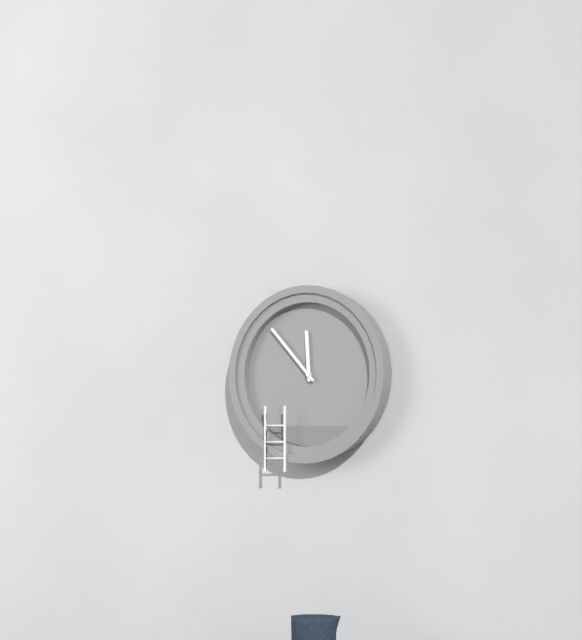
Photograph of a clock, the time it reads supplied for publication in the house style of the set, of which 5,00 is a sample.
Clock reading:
11,53
